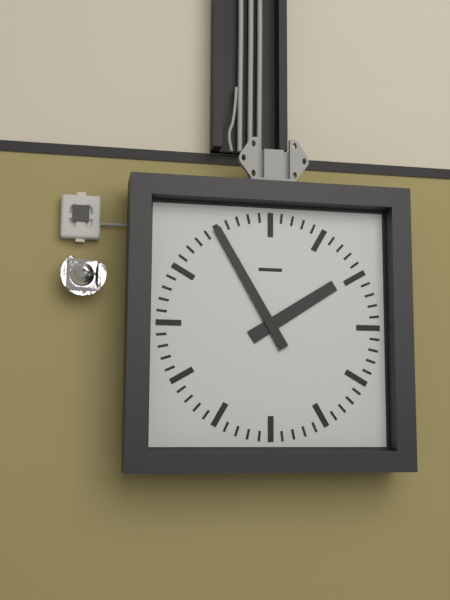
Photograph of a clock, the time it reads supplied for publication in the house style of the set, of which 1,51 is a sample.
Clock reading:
1,55
